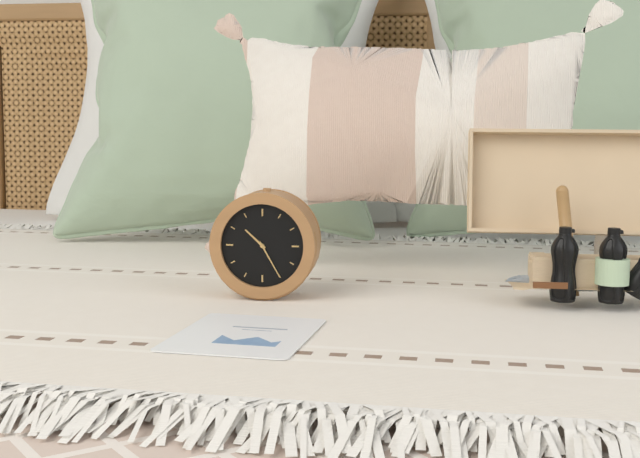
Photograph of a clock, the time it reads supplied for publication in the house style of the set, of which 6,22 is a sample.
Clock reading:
10,25
